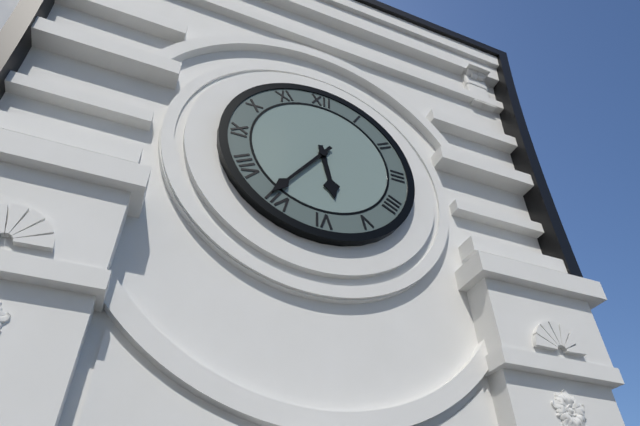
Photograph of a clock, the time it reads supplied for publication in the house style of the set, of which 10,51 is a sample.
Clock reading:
5,36
